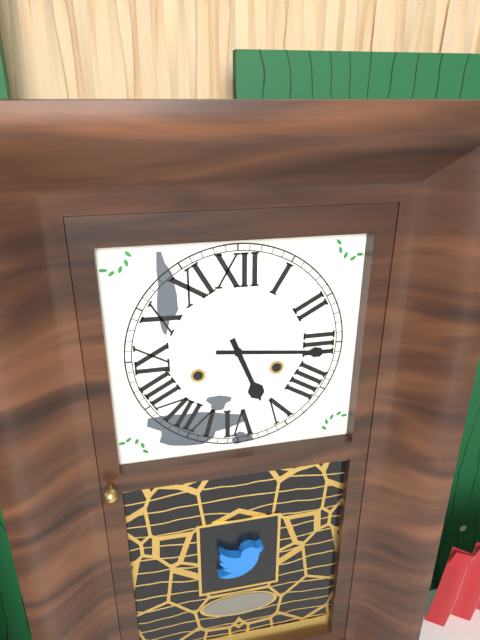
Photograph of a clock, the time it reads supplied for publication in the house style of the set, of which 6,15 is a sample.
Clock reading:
5,16
